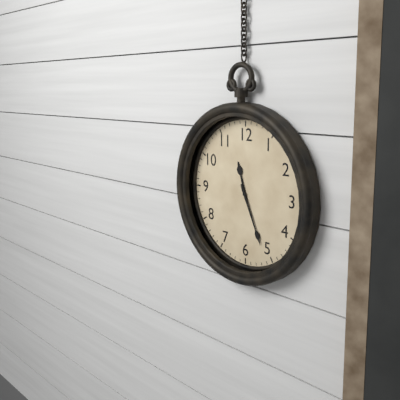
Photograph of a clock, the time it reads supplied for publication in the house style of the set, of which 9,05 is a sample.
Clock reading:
11,26
